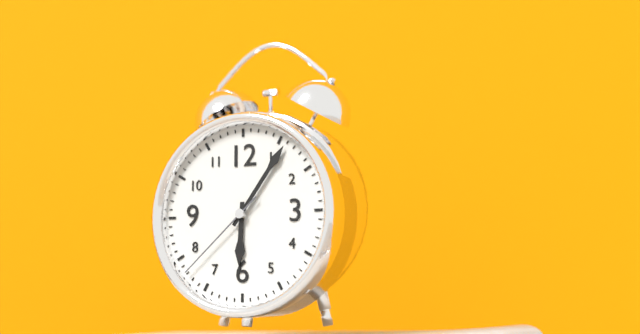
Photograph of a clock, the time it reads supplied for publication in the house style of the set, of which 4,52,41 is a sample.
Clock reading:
6,06,38
